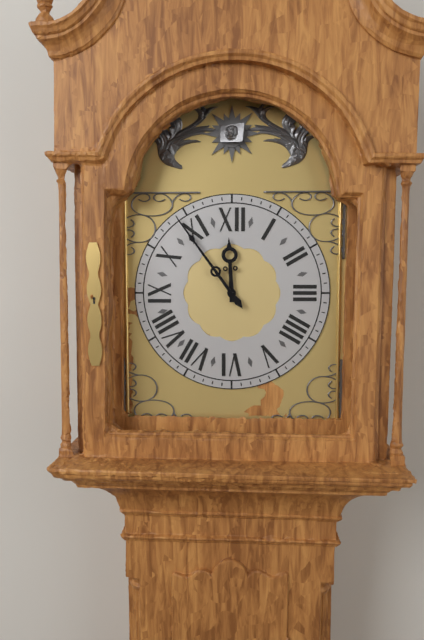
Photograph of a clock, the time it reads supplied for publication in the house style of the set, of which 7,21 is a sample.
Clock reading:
11,54
